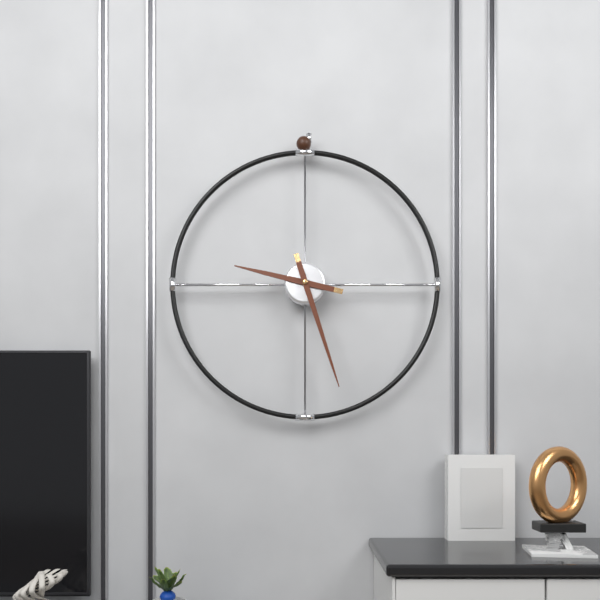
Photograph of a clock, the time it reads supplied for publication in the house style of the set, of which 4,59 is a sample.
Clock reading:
9,27
